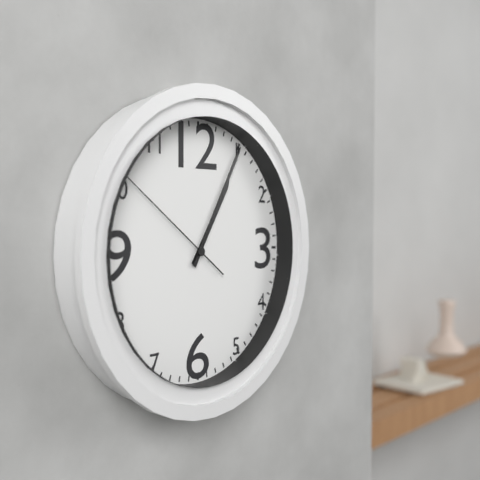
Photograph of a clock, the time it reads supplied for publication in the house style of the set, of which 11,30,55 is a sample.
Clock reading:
1,05,51
